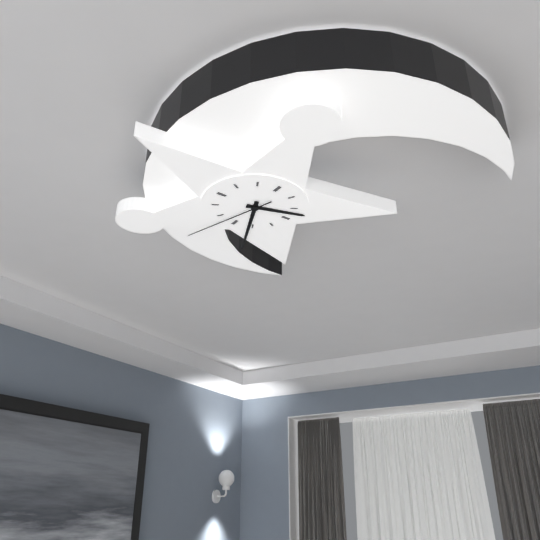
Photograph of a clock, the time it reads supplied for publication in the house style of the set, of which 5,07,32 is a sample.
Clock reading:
2,26,33
